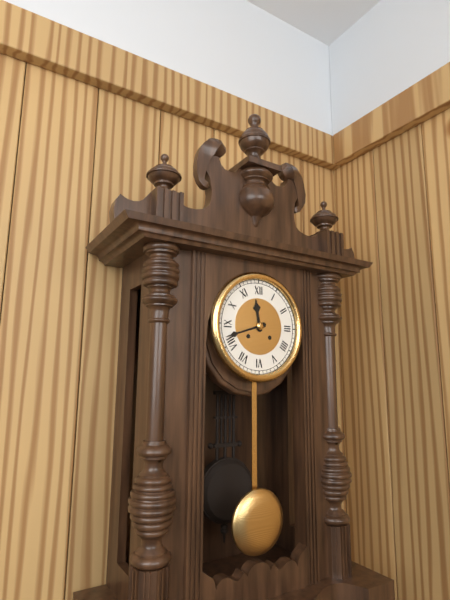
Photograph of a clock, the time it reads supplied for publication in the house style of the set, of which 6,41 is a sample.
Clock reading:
11,42
